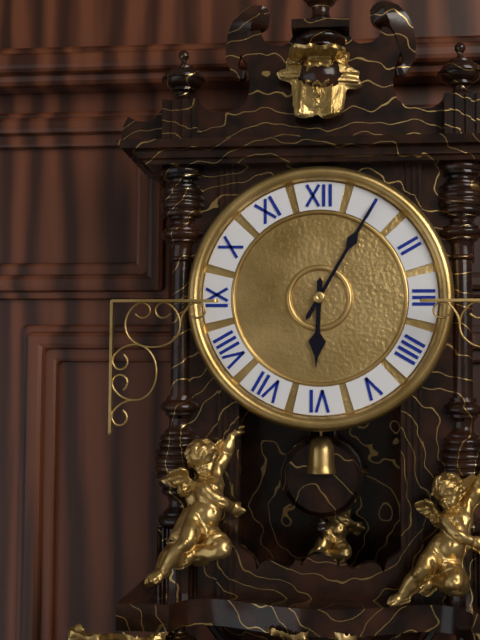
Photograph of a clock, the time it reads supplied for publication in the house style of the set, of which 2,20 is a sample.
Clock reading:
6,05
